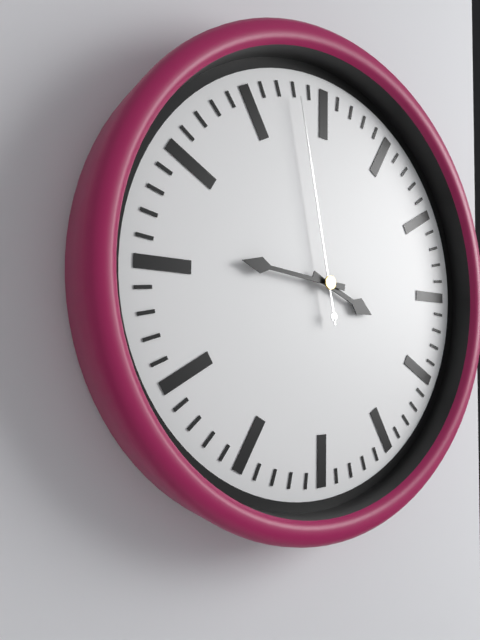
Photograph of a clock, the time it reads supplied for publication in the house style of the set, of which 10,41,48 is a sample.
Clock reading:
3,46,58
